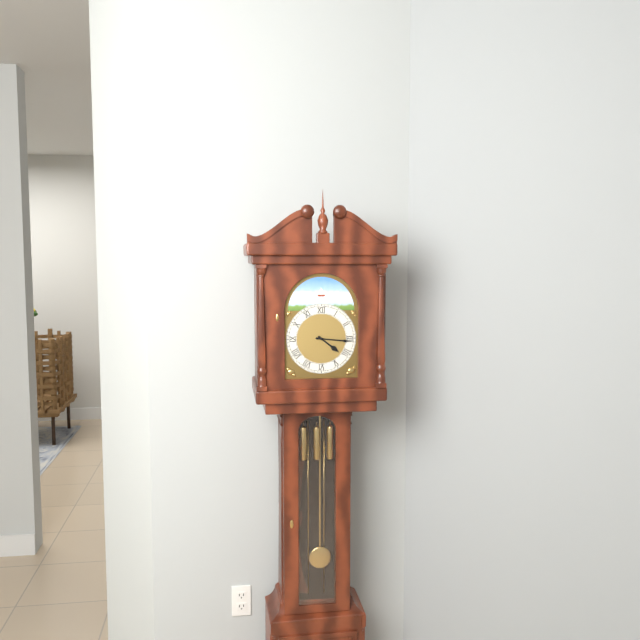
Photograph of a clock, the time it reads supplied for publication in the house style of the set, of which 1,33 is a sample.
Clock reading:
4,16
